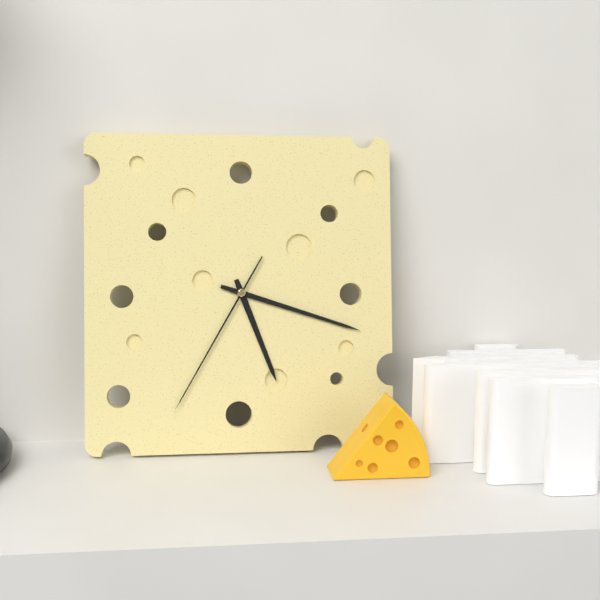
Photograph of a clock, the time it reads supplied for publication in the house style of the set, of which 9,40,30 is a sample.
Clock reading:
5,18,35
